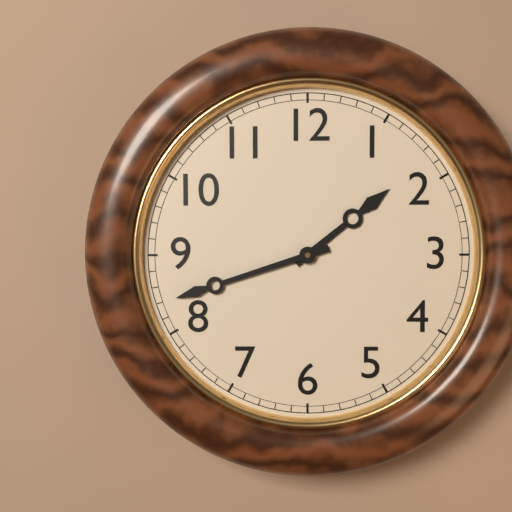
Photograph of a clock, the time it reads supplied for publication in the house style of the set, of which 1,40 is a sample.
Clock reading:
1,42
